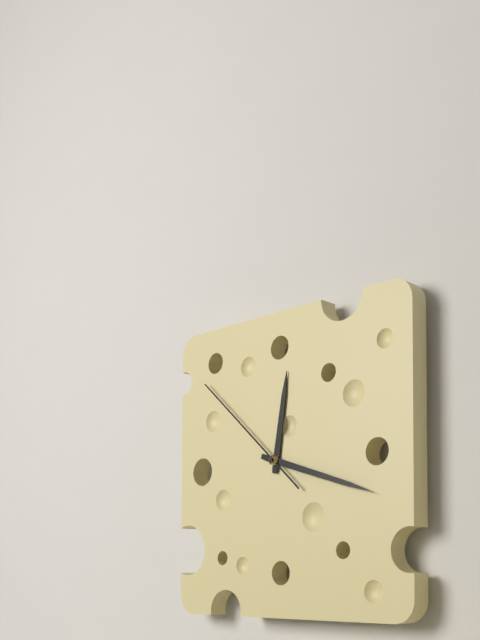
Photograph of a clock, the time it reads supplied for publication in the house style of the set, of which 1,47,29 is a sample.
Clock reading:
12,18,52
